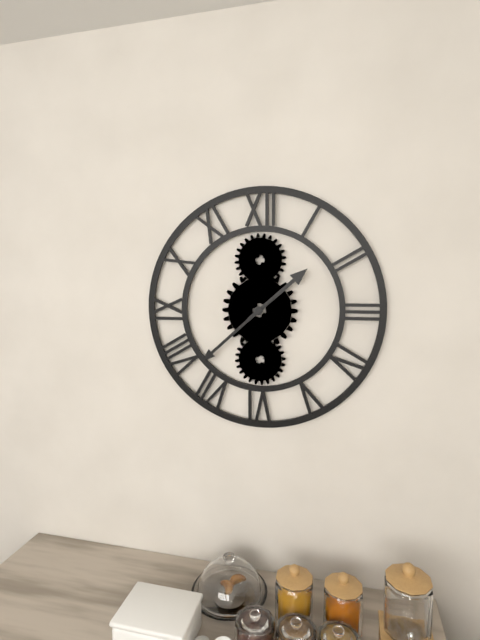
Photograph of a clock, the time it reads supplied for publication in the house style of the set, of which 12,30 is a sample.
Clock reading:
1,38
